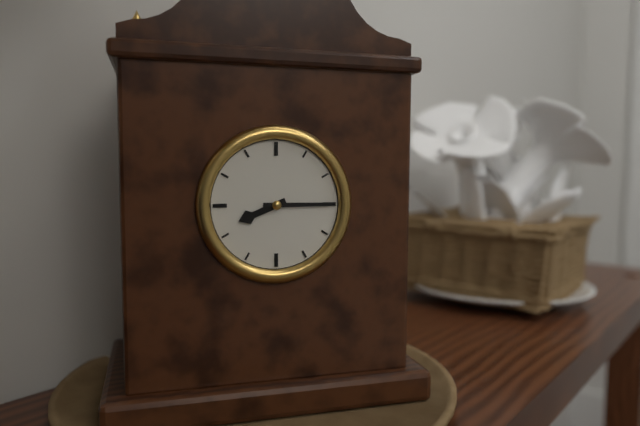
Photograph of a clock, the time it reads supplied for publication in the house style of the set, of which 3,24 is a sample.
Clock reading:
8,15
